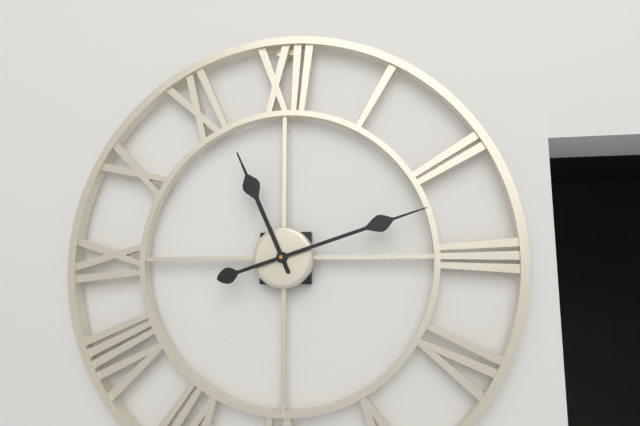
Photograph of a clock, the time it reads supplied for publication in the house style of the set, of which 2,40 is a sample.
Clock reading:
11,12
